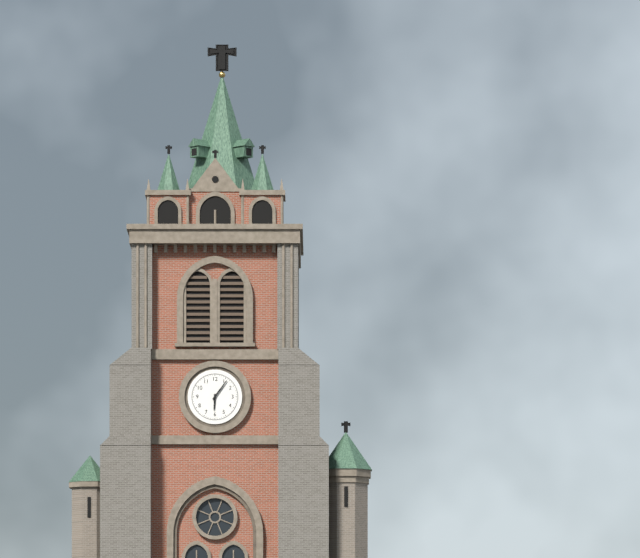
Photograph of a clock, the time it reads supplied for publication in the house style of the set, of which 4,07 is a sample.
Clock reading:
6,06
